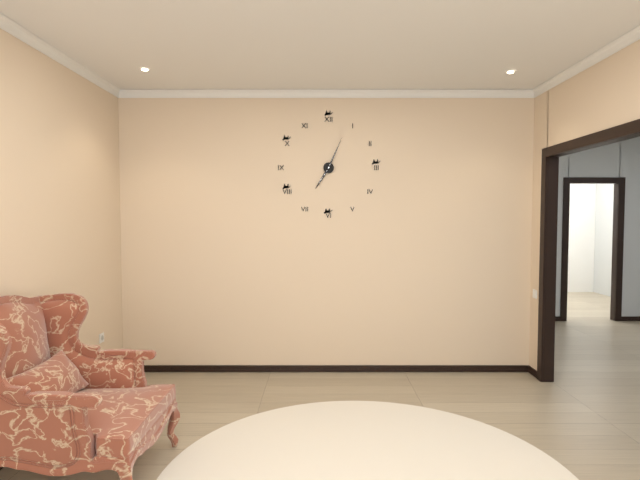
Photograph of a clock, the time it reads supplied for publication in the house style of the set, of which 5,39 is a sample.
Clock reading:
7,04
